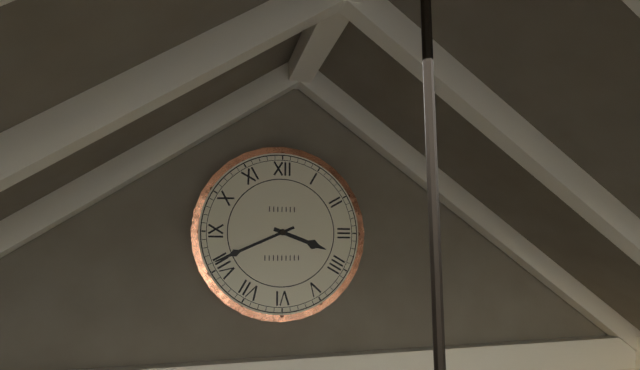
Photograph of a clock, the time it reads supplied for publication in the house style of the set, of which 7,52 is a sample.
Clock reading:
3,41
